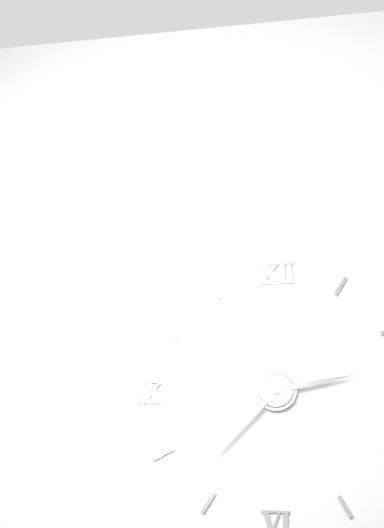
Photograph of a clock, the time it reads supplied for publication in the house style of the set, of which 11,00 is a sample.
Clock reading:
2,37
